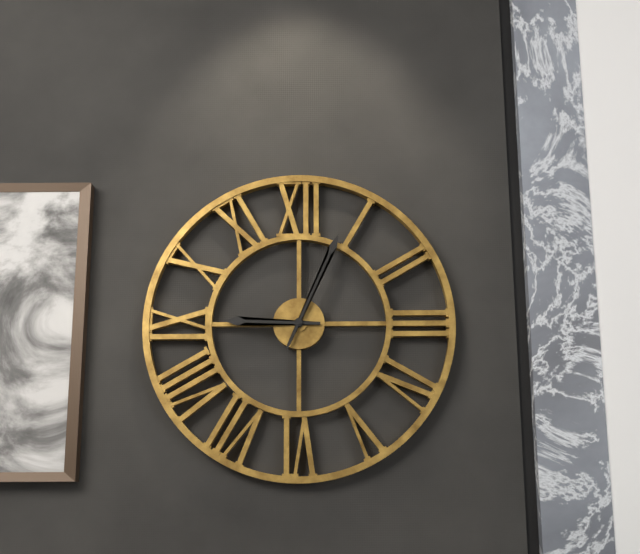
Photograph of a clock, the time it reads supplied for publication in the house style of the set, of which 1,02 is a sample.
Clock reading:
9,04
